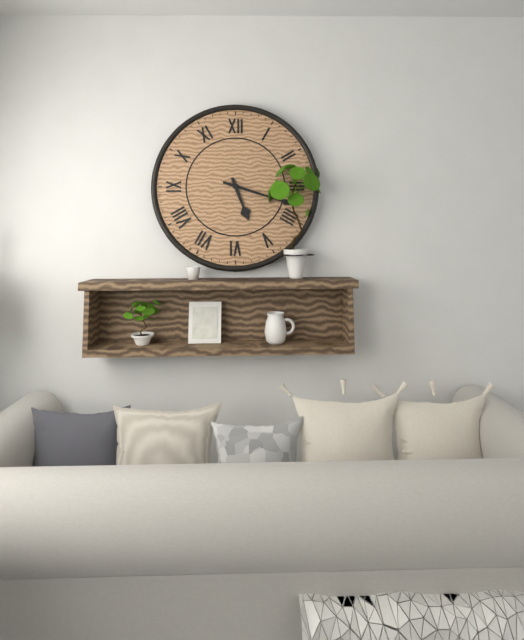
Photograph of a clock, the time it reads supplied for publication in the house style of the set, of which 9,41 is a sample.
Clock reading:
5,18
